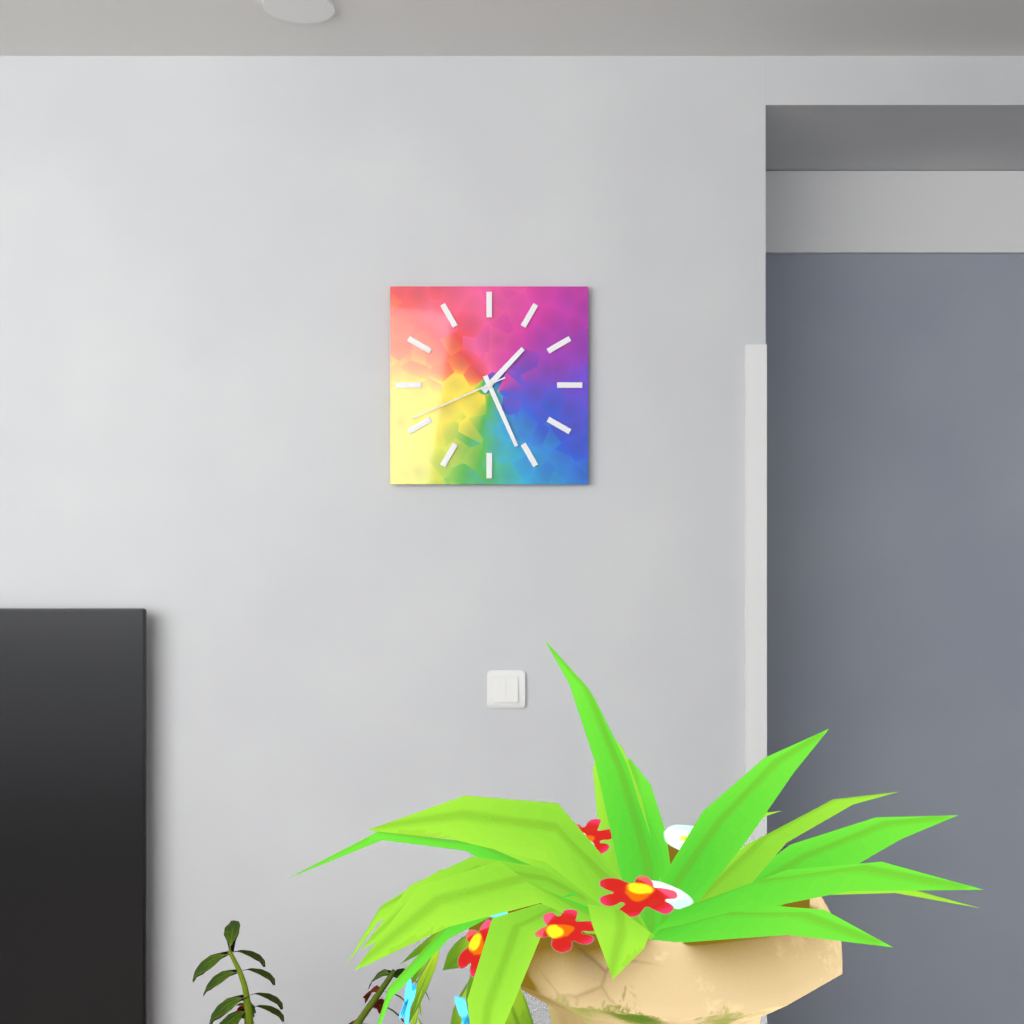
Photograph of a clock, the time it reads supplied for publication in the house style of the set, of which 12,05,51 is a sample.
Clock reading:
1,26,41
